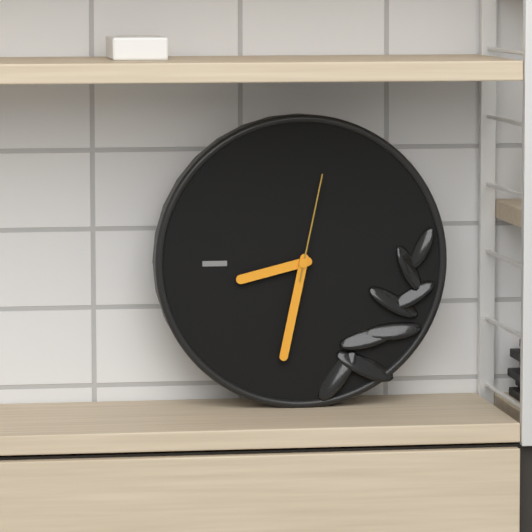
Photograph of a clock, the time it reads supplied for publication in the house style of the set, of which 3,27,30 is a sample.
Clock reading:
8,32,02
